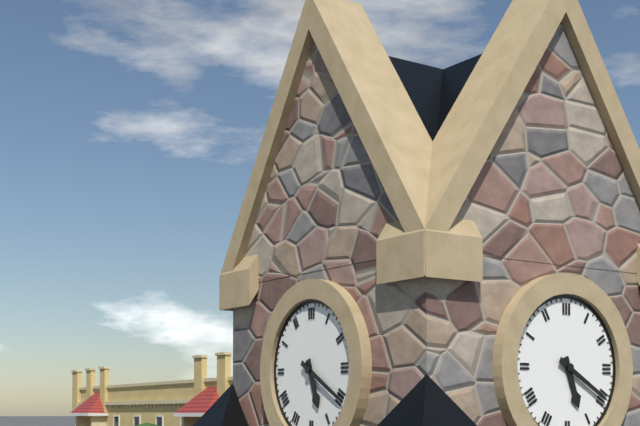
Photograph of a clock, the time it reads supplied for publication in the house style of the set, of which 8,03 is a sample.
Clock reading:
5,20
